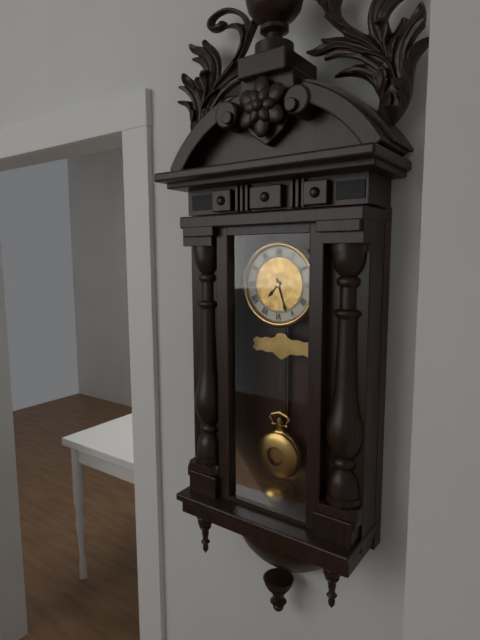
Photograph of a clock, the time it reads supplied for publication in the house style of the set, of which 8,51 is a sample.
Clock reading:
7,27
